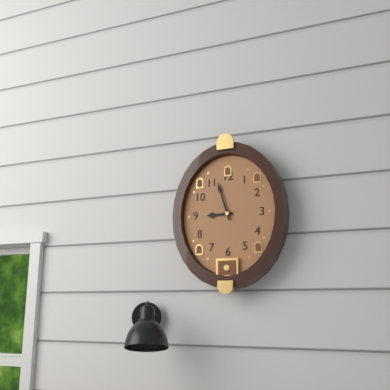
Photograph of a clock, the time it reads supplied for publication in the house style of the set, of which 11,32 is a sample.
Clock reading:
8,57
